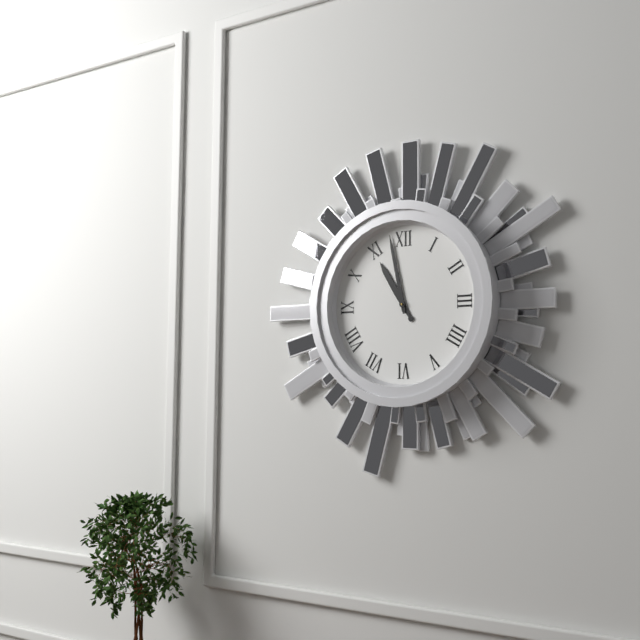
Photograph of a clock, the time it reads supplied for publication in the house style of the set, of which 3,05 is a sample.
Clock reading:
10,58
